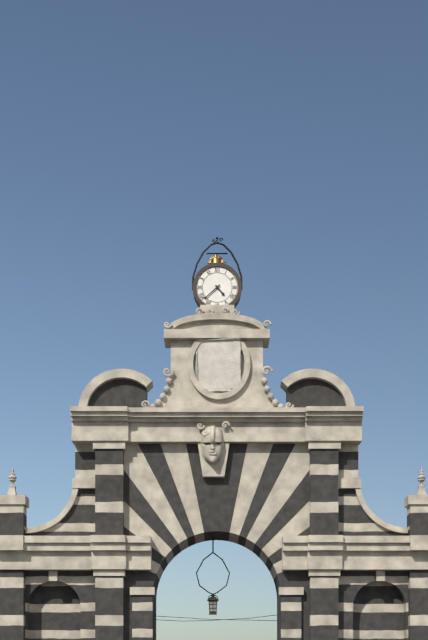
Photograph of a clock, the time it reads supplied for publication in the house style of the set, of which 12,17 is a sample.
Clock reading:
4,38
